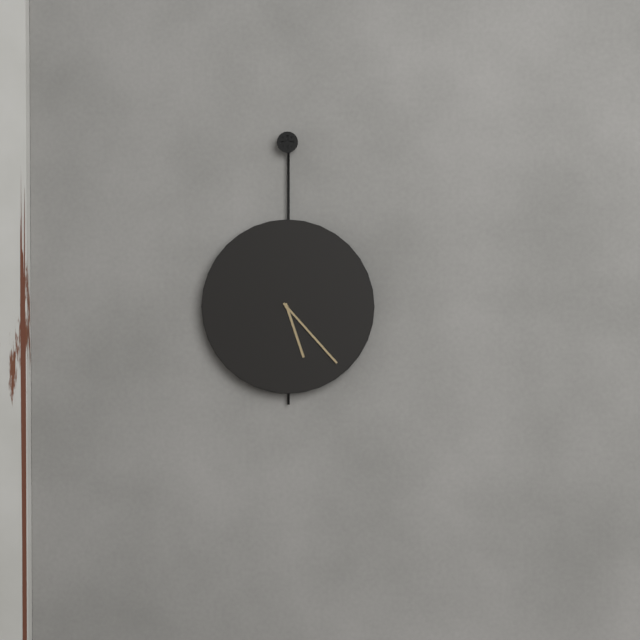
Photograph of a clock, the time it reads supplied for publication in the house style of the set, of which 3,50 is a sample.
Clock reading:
5,23
